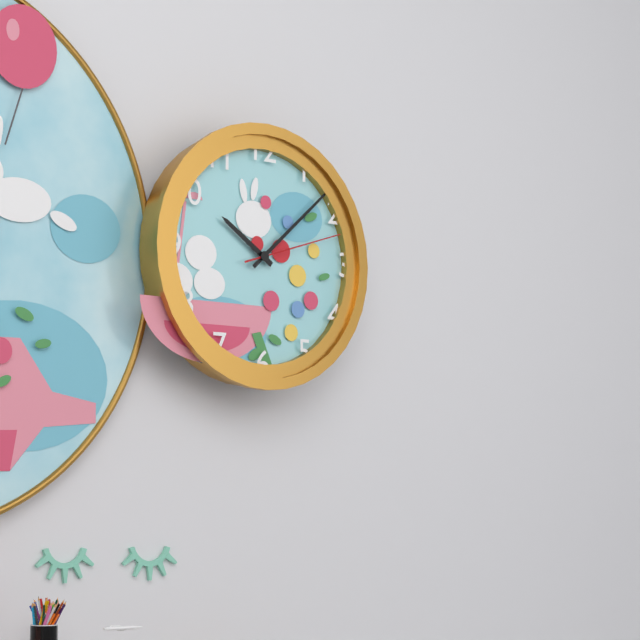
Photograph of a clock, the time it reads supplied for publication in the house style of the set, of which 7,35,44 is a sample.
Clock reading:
10,08,12
